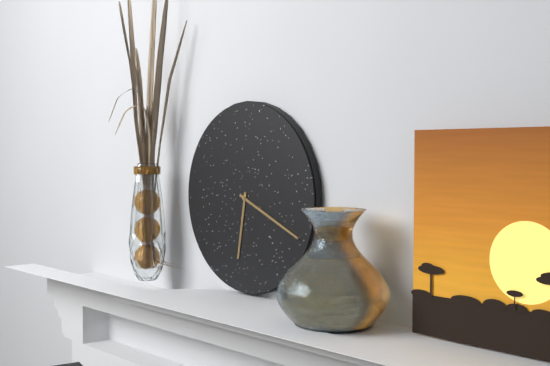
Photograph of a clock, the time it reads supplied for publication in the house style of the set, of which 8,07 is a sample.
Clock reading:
6,19
